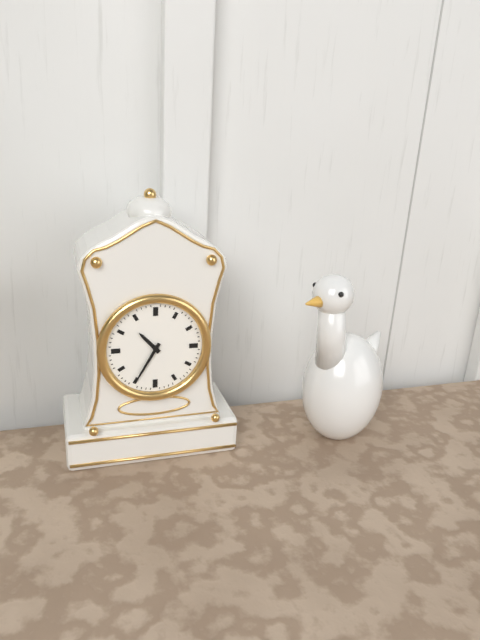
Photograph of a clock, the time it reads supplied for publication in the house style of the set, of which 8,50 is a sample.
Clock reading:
10,35
